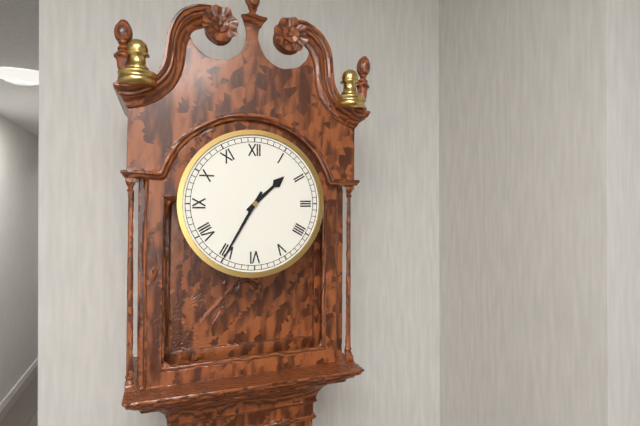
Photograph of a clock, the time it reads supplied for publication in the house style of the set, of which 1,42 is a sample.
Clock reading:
1,35
